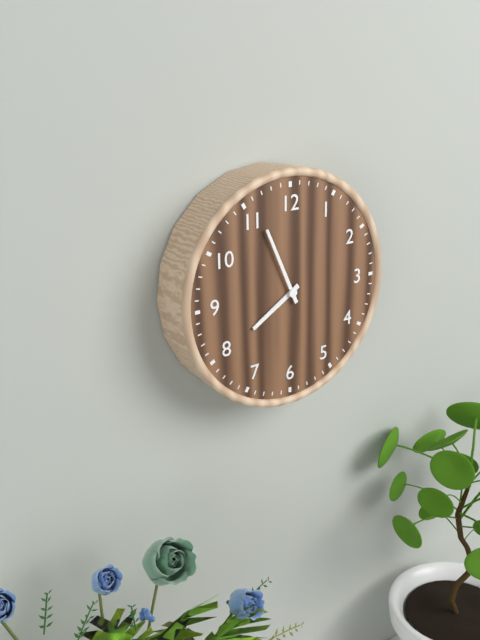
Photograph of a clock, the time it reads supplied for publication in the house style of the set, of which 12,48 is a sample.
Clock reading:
7,56
